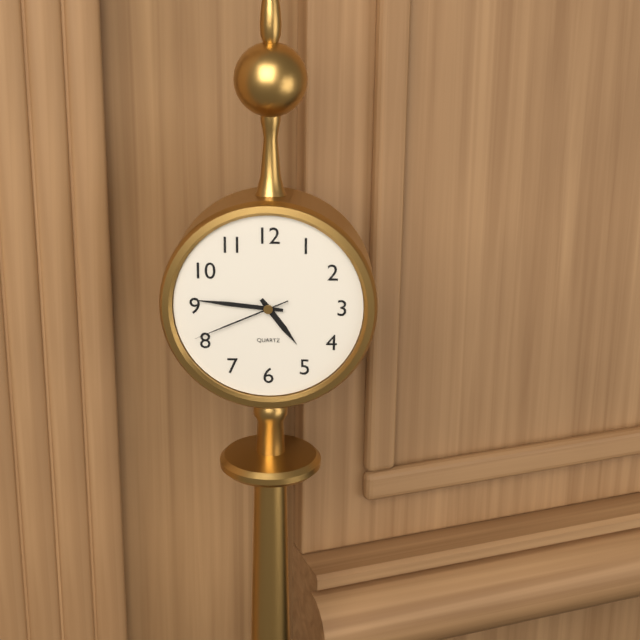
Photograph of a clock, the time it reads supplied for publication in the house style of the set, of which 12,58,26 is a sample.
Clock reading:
4,46,41
